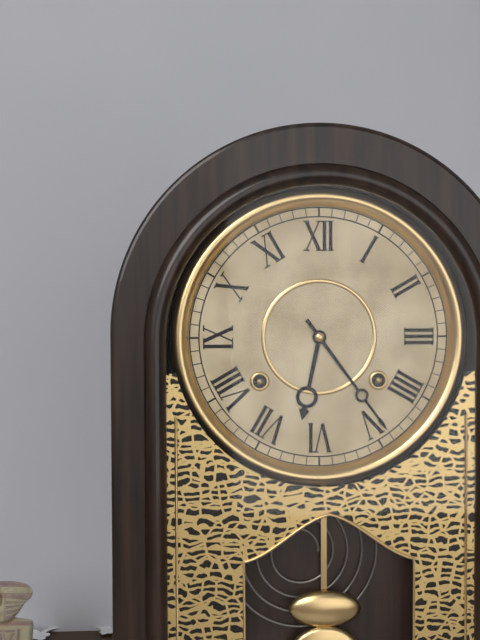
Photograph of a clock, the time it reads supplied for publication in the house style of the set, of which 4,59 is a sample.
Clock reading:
6,24
